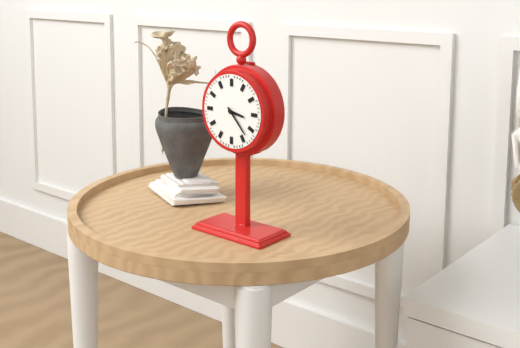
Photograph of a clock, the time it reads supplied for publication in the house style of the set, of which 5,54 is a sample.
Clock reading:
3,23
